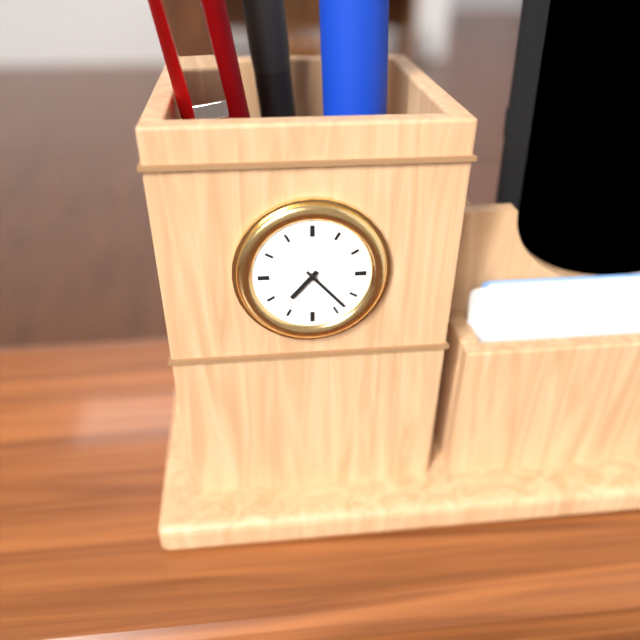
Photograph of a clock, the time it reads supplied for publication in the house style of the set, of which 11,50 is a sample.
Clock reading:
7,23
